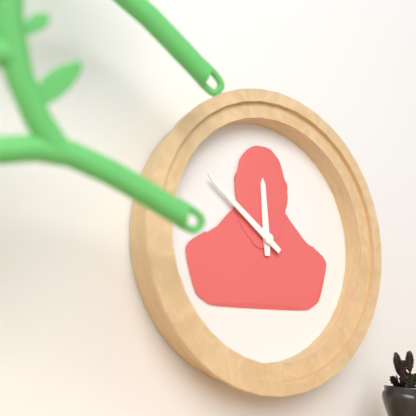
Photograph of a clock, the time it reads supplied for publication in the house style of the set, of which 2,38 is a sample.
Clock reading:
11,51
